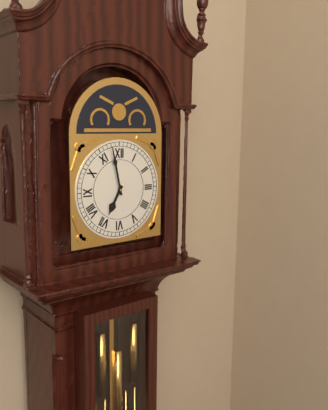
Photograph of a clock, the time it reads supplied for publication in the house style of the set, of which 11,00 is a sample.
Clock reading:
6,58
